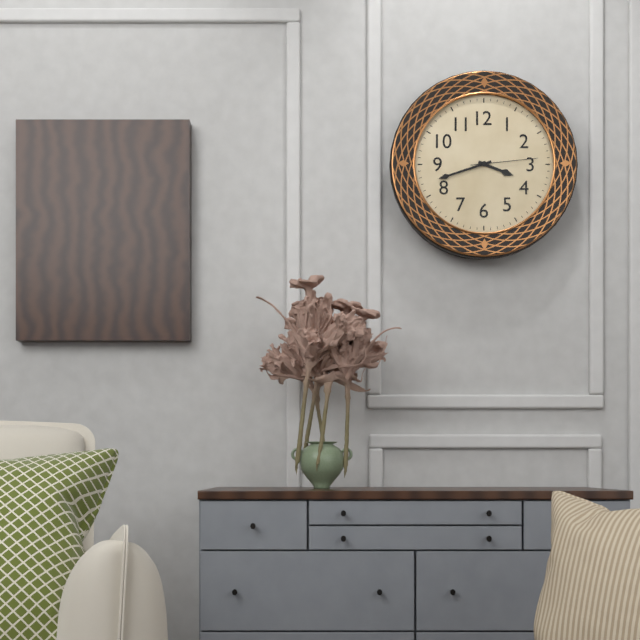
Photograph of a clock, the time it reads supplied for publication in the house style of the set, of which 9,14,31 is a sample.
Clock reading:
3,42,14
